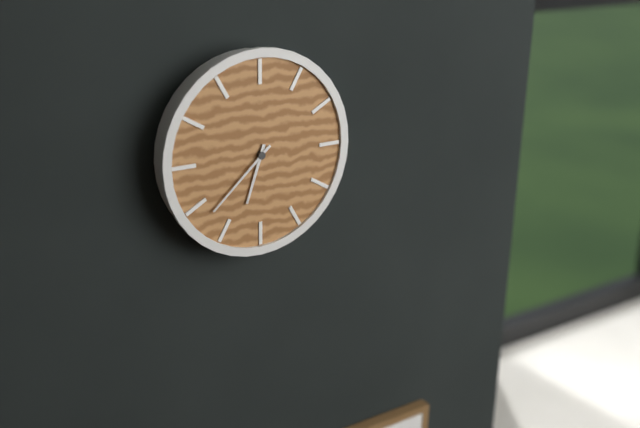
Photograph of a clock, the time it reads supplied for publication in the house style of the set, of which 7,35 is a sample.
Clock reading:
6,38
